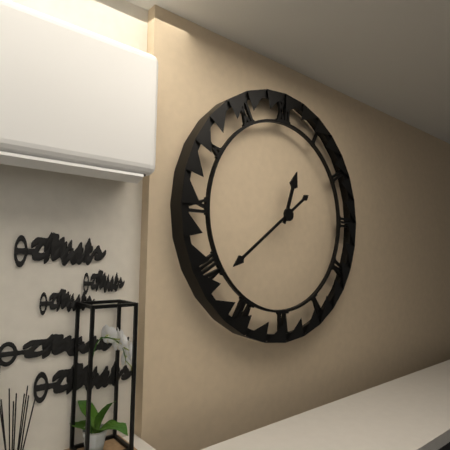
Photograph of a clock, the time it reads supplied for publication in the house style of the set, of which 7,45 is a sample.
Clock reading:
12,39
